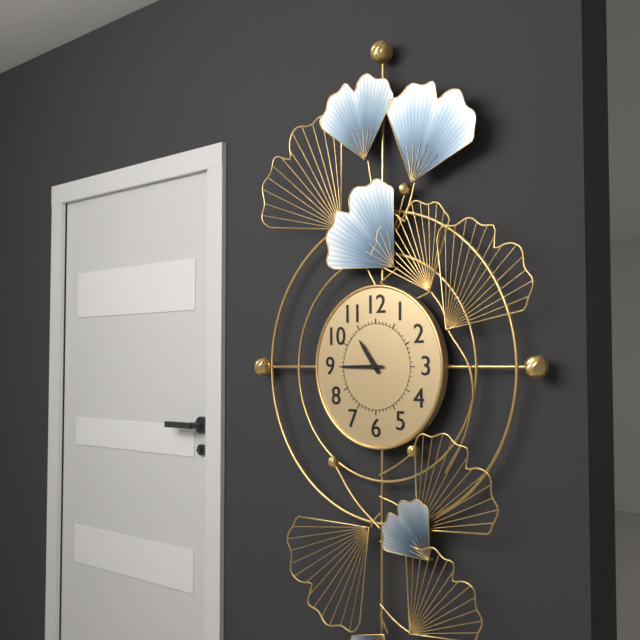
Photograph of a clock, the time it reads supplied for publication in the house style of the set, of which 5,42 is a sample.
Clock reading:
10,45
